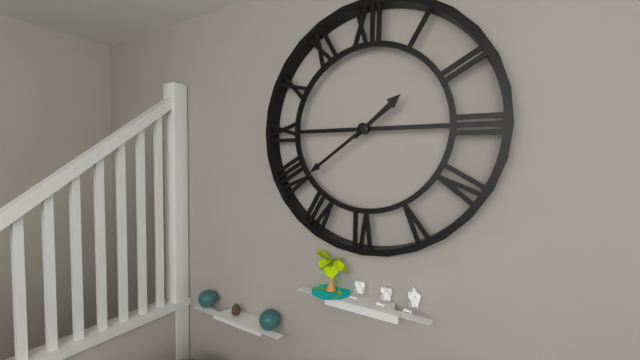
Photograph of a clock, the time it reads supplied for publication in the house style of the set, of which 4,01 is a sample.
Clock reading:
1,39
